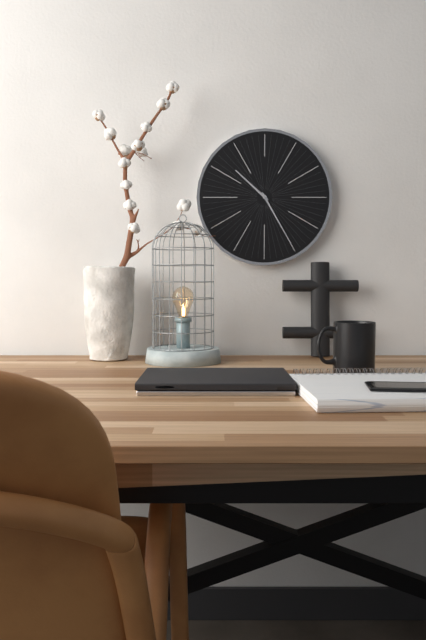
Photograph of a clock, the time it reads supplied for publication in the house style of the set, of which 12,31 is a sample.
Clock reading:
10,25
